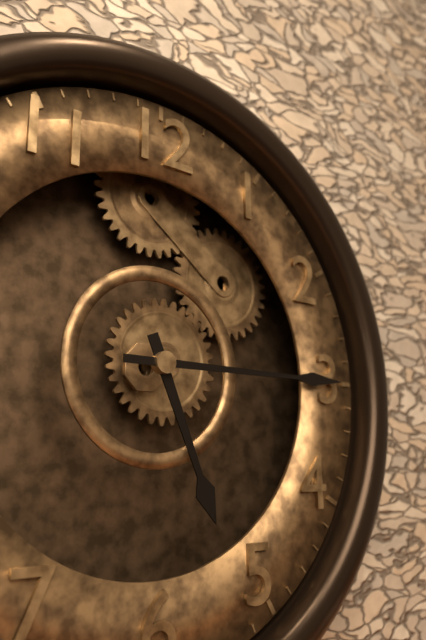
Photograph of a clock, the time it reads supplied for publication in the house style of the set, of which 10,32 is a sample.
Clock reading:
5,15
